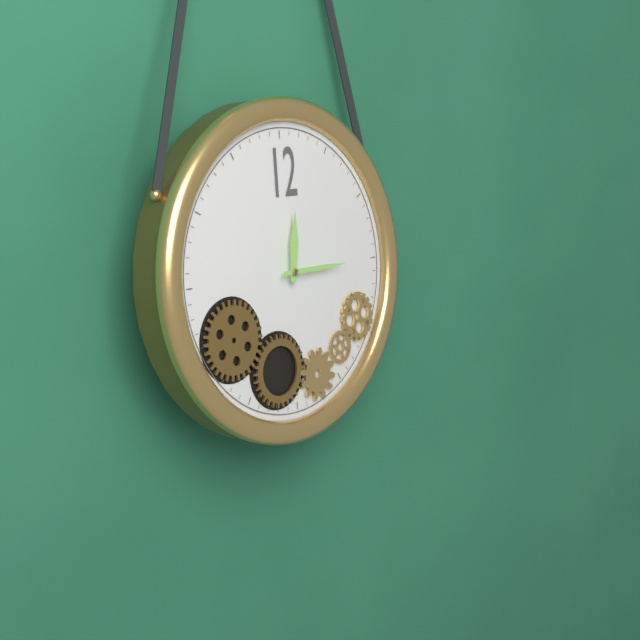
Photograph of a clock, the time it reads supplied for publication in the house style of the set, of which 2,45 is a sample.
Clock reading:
12,15
